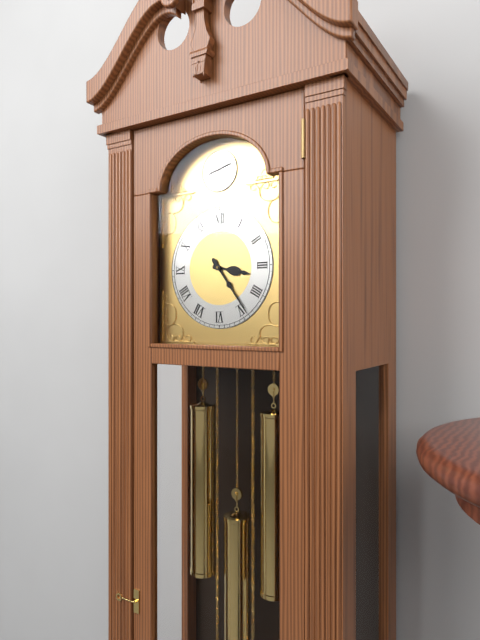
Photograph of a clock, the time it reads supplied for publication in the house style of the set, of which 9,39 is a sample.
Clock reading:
3,24
